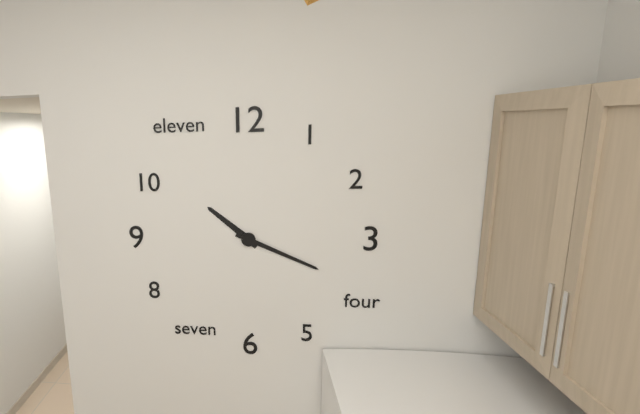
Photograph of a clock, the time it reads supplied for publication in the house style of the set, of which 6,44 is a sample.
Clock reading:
10,19
